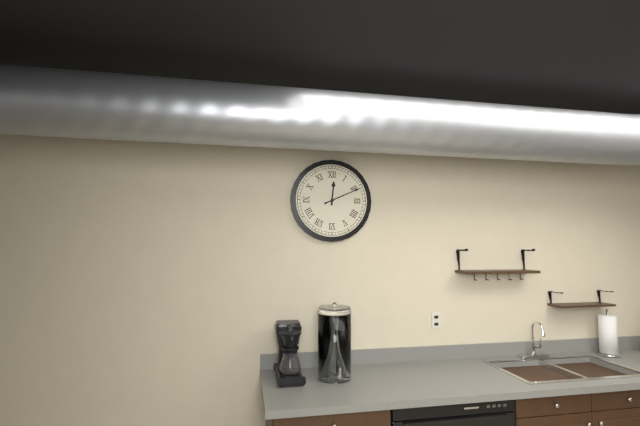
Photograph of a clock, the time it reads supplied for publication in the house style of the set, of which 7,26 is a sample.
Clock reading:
12,11
